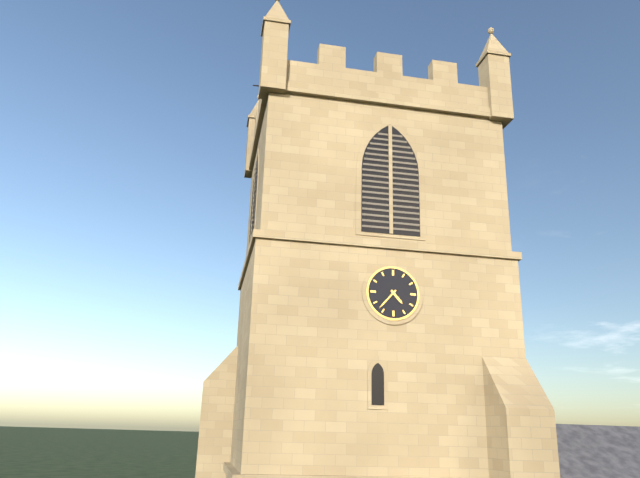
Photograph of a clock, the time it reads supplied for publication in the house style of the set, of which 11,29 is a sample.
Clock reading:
4,37
